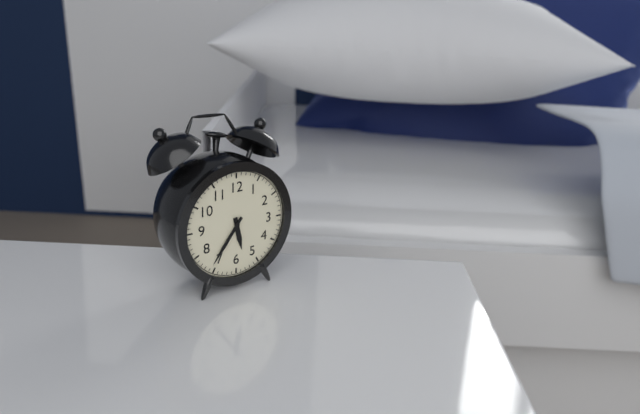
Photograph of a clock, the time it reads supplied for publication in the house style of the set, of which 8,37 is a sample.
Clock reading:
5,36
